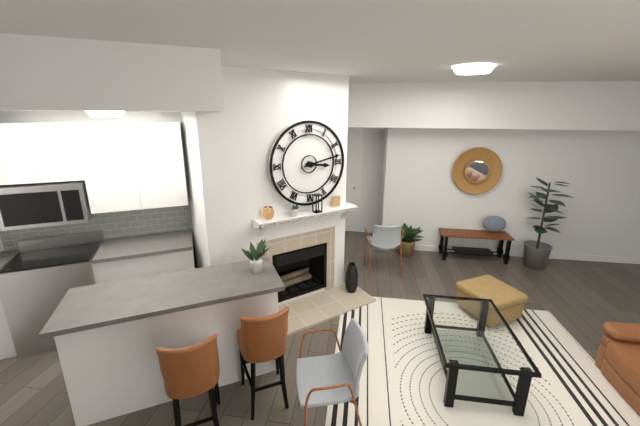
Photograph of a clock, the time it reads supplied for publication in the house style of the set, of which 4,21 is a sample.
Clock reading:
3,13
